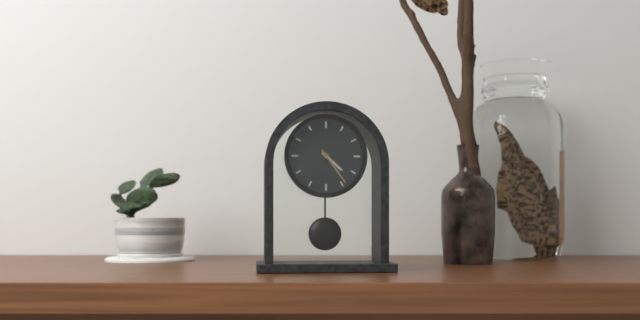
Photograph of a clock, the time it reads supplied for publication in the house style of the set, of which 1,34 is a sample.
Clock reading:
4,24
